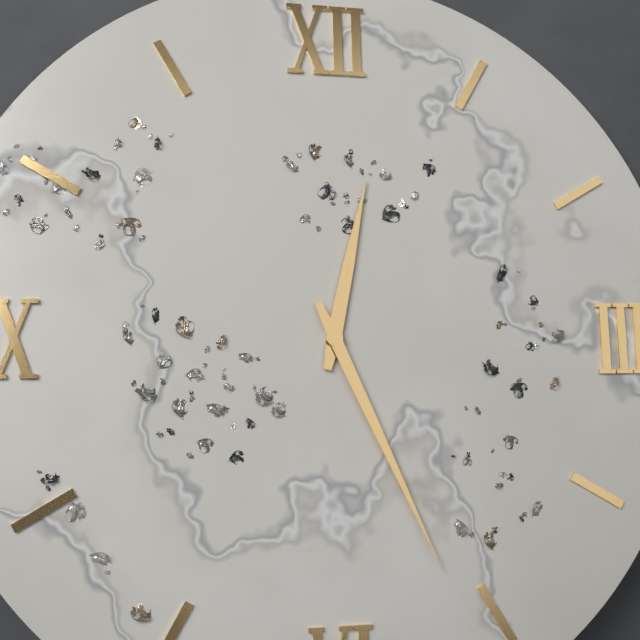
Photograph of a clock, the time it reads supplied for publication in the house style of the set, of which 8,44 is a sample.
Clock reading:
12,26
